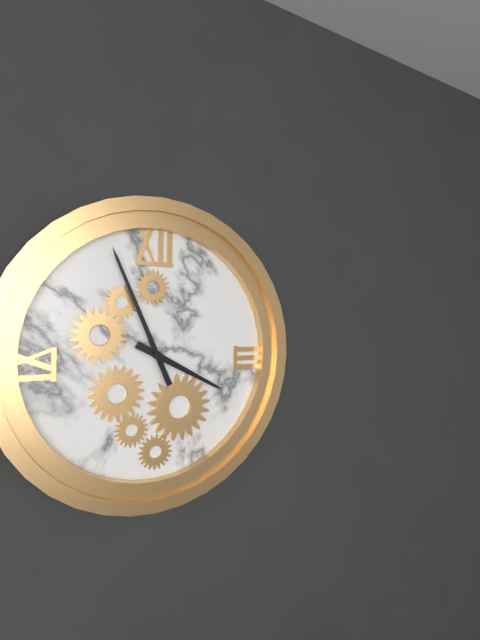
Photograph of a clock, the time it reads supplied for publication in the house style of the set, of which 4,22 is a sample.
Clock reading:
3,56
